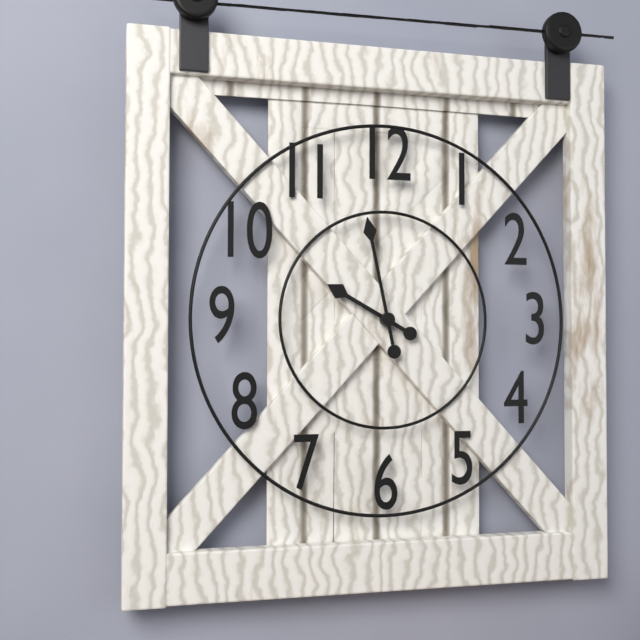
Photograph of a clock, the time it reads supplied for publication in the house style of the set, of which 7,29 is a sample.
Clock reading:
9,58
